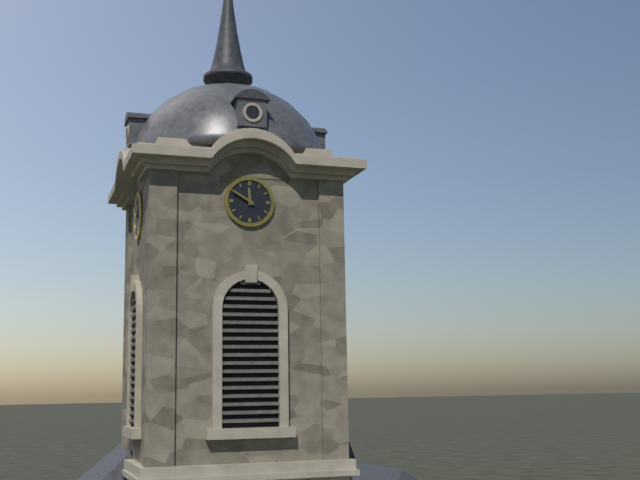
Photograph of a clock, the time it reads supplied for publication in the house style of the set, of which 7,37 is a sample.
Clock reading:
11,50
